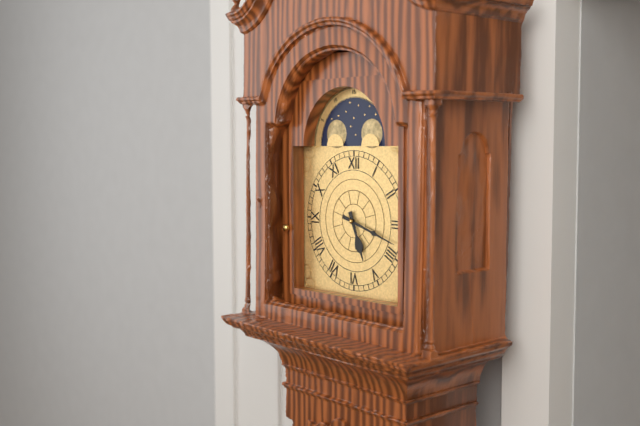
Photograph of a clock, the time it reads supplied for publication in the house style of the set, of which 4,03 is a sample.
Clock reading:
5,18
